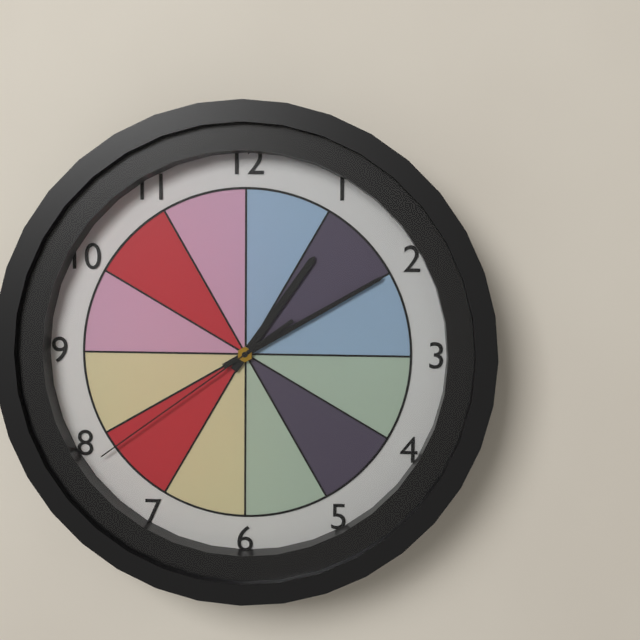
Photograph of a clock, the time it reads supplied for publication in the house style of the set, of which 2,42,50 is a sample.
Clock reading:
1,10,39
